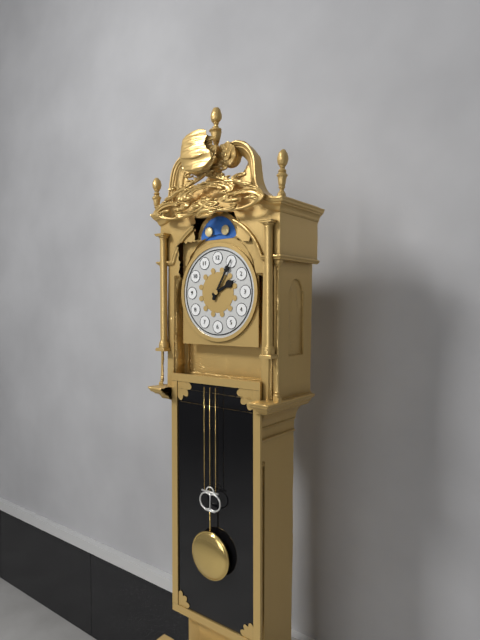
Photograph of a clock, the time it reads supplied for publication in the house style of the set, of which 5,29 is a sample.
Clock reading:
2,05
